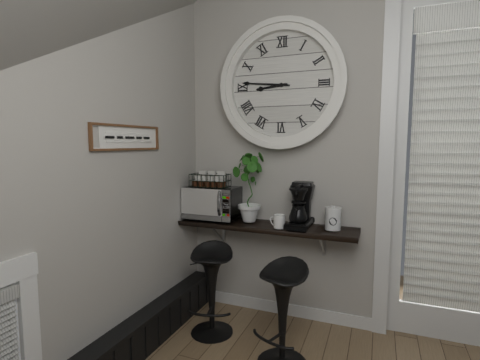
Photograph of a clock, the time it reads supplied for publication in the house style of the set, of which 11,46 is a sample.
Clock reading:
8,46
